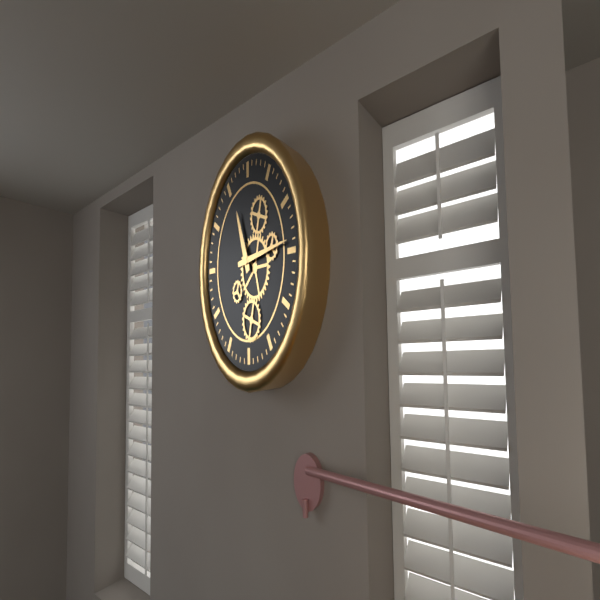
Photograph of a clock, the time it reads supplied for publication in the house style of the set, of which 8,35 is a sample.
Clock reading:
11,14
